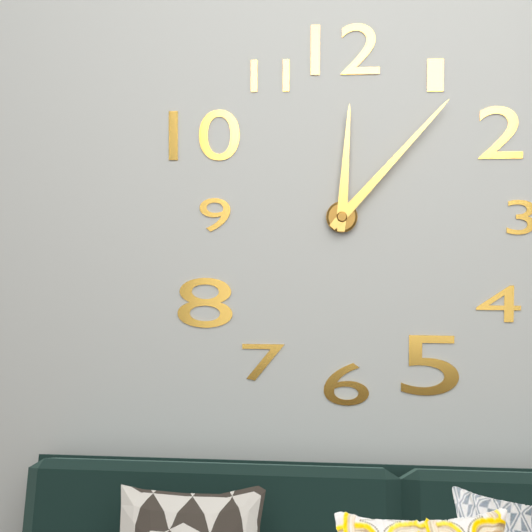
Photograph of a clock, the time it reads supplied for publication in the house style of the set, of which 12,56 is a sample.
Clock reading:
12,07
